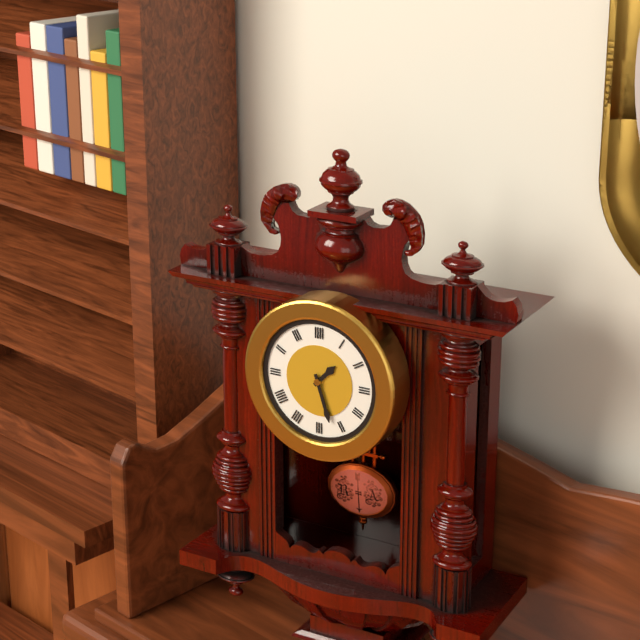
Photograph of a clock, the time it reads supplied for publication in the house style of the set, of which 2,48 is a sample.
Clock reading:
1,27
